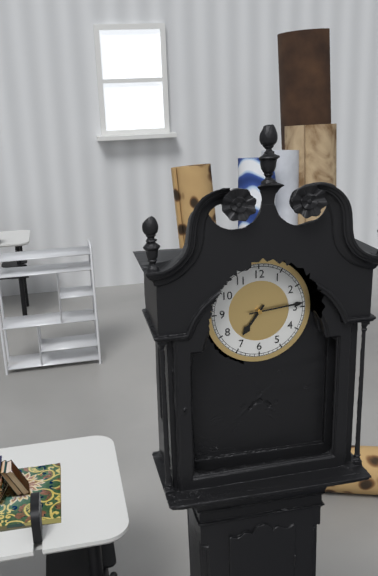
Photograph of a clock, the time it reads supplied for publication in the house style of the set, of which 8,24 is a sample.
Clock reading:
7,14
